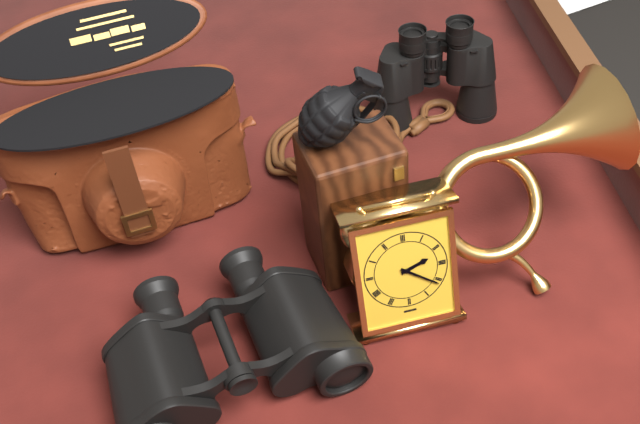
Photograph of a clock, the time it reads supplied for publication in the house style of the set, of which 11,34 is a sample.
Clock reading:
2,21
